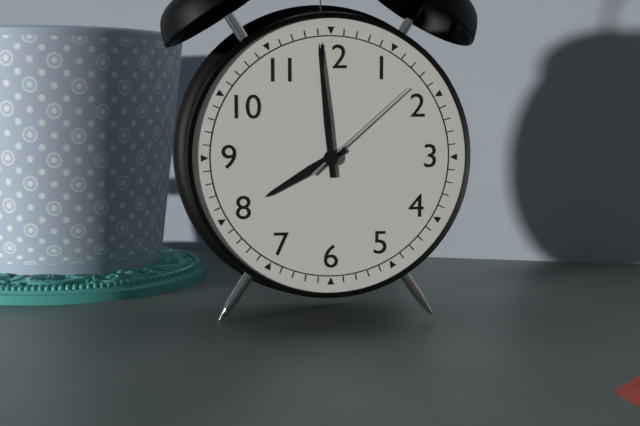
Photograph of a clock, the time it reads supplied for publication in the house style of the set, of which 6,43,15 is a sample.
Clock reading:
7,59,08
